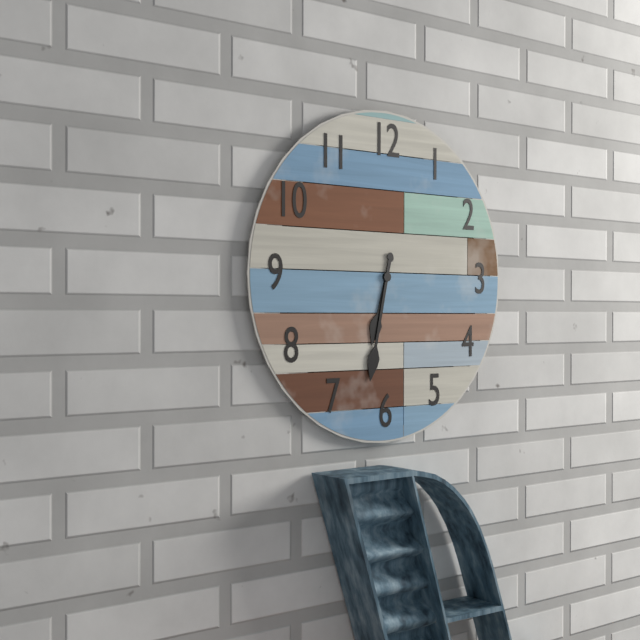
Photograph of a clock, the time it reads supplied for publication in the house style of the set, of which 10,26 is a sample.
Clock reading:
6,32
